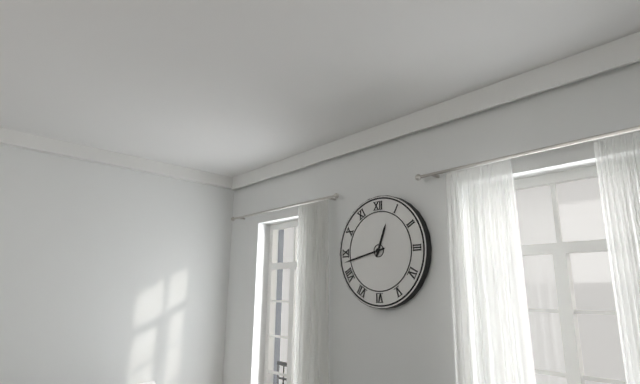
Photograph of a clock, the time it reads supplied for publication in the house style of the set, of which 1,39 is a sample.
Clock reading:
12,43
